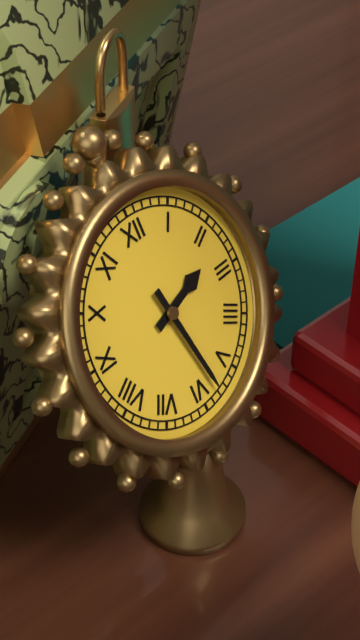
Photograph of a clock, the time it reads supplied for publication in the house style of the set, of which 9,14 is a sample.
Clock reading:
2,28
